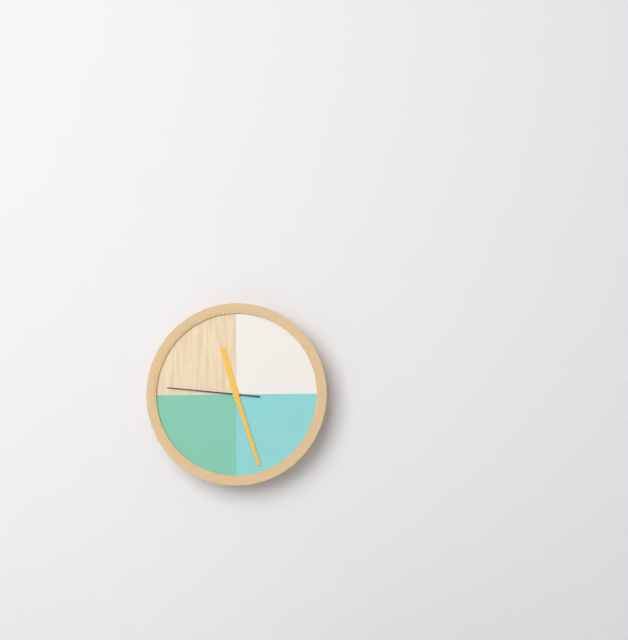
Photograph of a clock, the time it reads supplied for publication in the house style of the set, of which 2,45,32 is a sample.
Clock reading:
11,27,46
